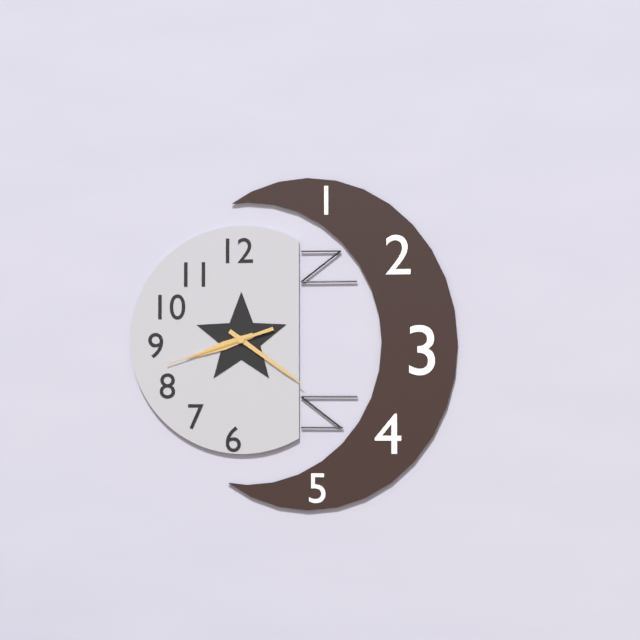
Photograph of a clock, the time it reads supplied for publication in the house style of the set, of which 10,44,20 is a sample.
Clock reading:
8,21,42
